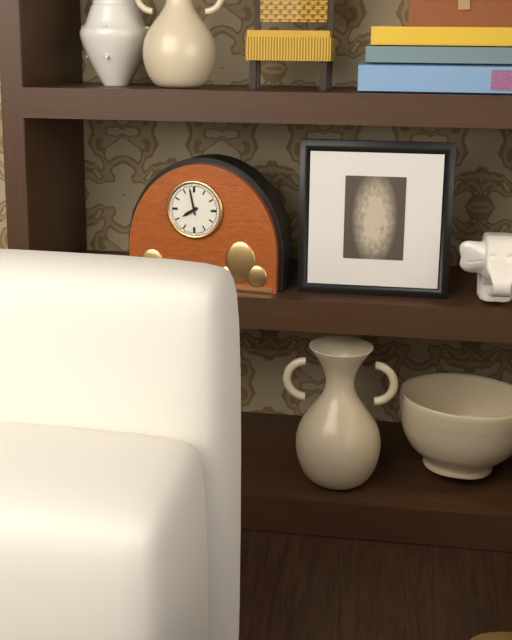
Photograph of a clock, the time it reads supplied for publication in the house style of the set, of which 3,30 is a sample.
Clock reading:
7,58
